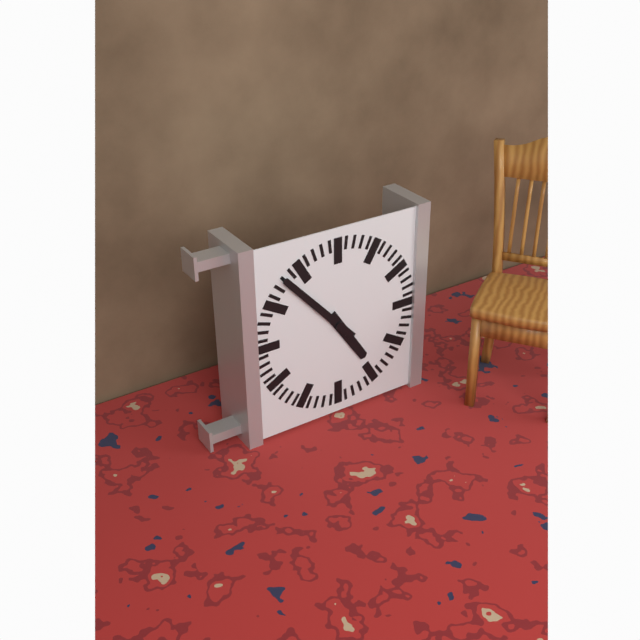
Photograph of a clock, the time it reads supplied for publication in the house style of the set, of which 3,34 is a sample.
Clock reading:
4,53
